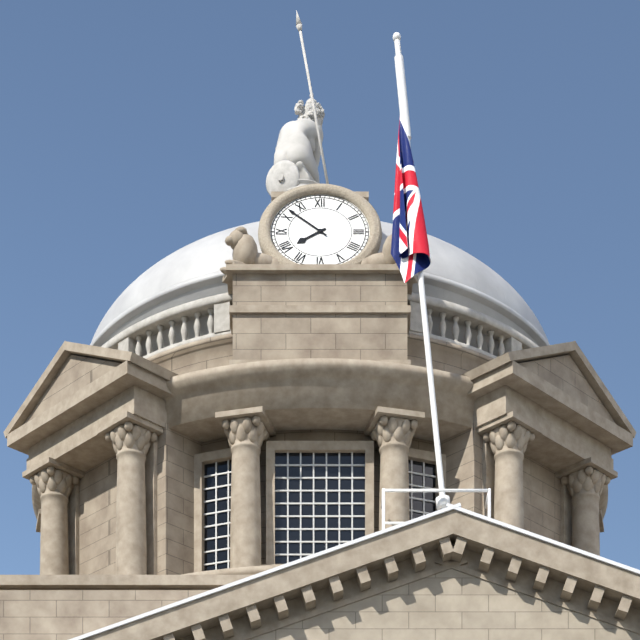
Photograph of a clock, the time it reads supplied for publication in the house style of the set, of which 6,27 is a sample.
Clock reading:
7,52
